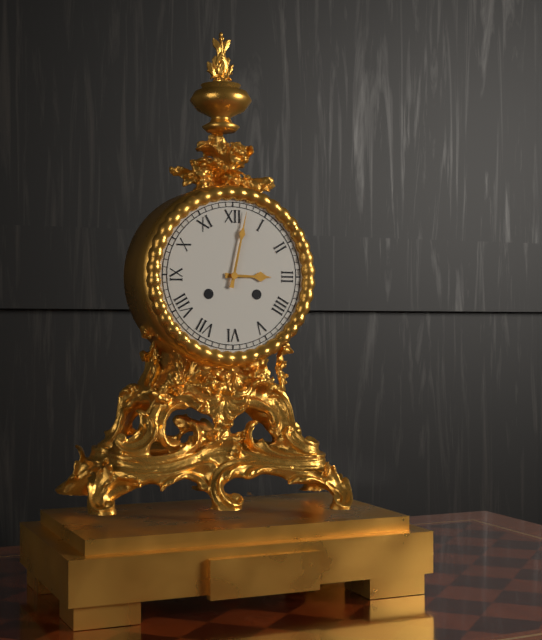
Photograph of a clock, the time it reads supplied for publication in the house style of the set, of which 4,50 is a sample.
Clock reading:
3,02
